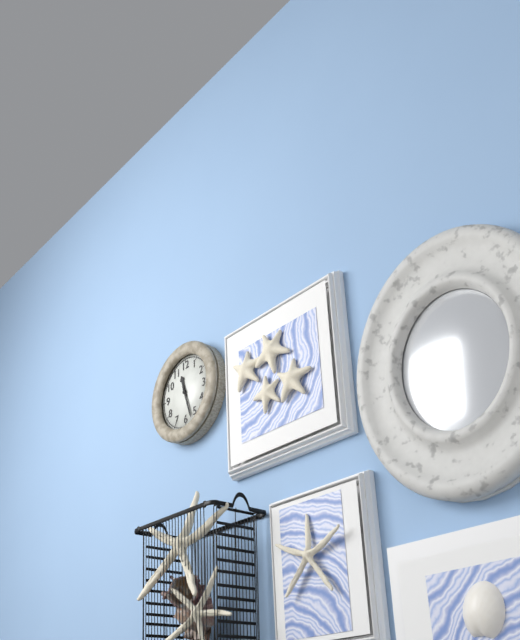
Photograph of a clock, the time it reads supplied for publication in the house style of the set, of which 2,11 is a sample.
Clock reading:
11,27
